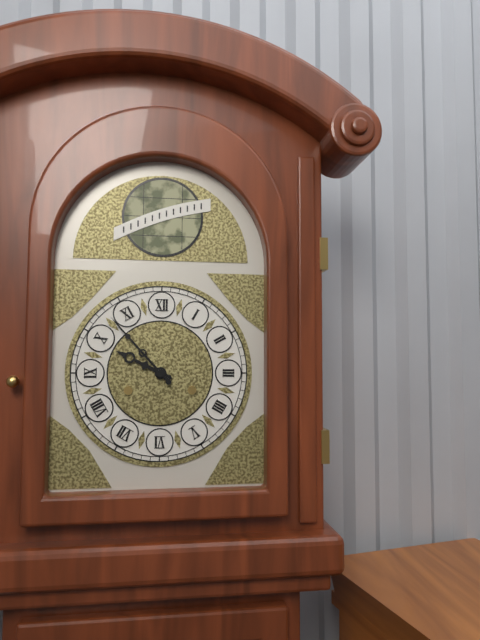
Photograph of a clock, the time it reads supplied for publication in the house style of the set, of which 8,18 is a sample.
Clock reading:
9,53
